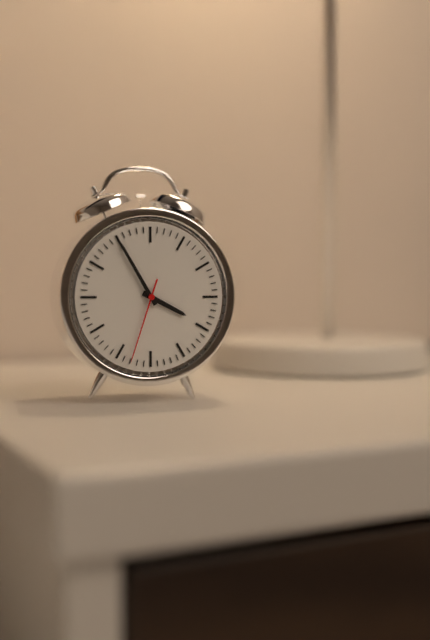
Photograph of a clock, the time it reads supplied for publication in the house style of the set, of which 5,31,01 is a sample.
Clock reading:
3,55,33
